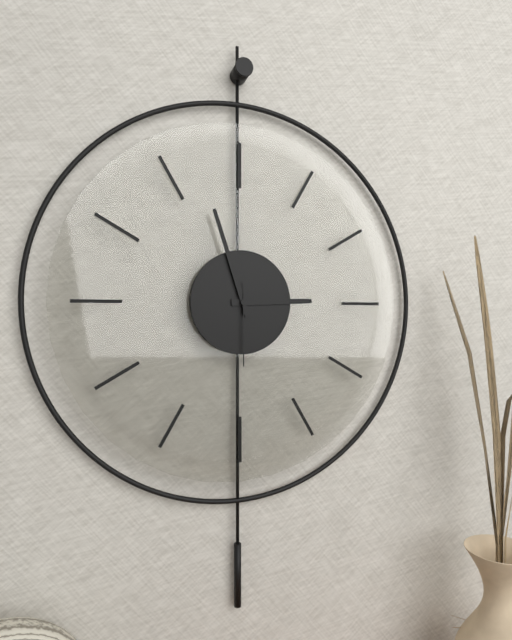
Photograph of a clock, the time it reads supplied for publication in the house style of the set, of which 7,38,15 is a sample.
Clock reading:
2,57,30
